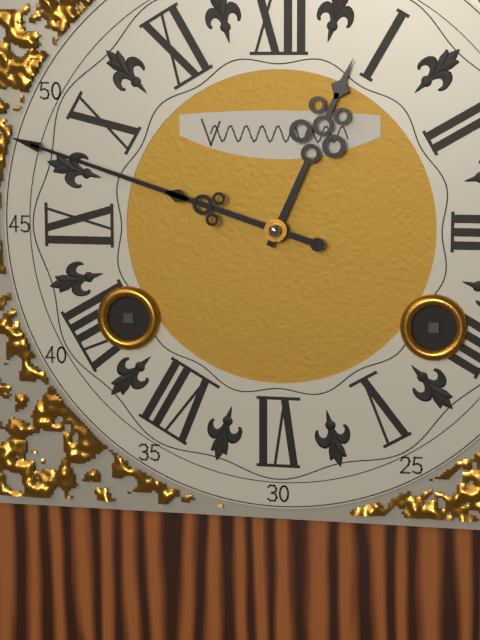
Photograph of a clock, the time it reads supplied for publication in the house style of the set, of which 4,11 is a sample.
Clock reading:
12,48
